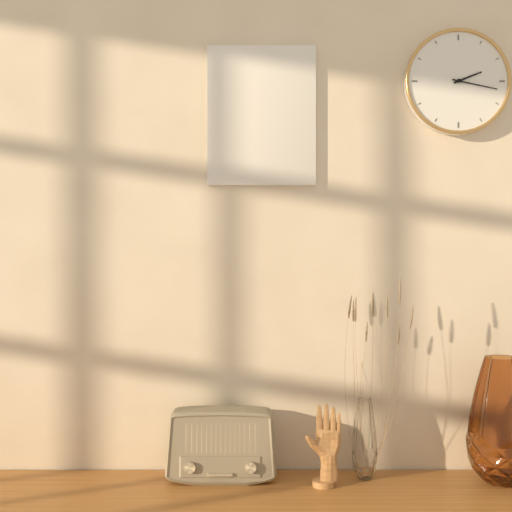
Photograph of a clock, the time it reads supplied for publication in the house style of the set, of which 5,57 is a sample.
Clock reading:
2,17
